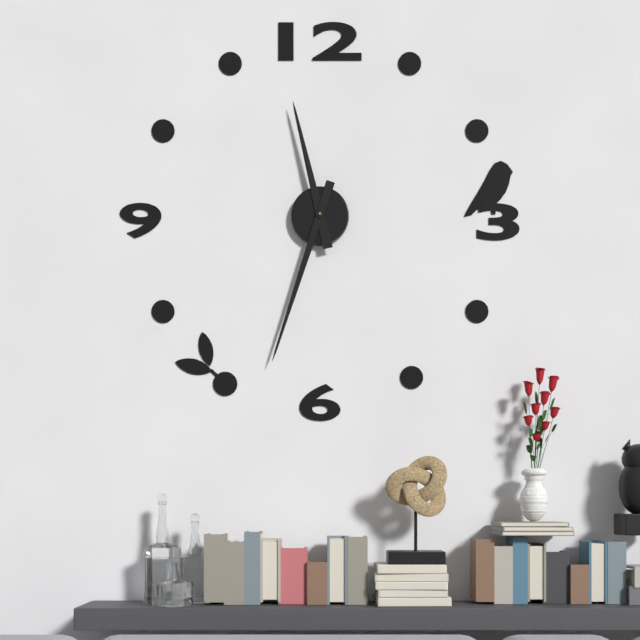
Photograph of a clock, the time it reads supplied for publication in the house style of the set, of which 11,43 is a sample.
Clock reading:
11,33
